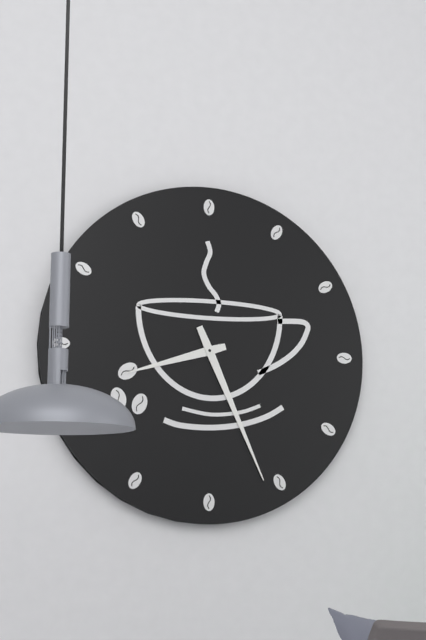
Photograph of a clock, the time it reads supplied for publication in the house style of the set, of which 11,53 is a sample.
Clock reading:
8,26
